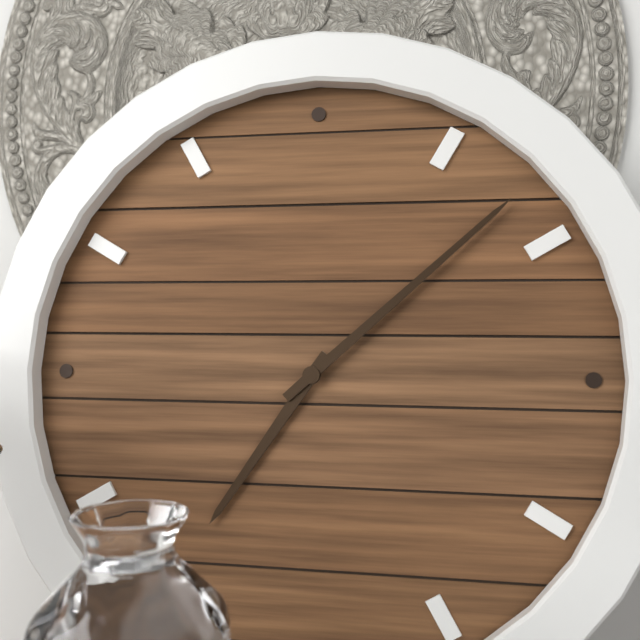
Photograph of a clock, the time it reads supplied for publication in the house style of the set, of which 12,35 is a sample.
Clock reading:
7,08
